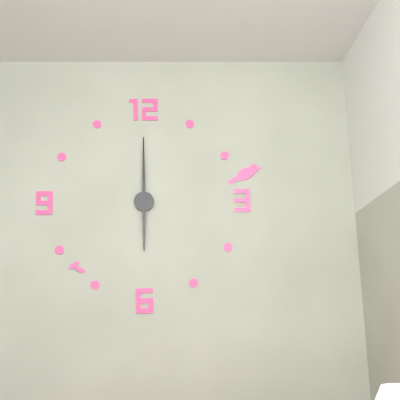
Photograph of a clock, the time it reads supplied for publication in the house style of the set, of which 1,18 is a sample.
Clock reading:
6,00
